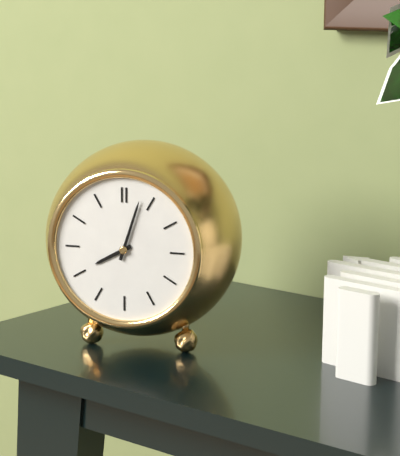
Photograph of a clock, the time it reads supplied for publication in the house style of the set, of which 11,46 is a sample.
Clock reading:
8,03
